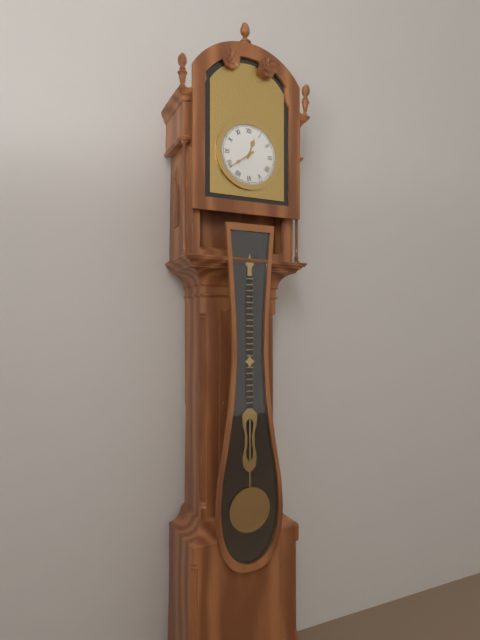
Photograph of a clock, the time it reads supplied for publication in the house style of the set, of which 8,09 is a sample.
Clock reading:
12,39
